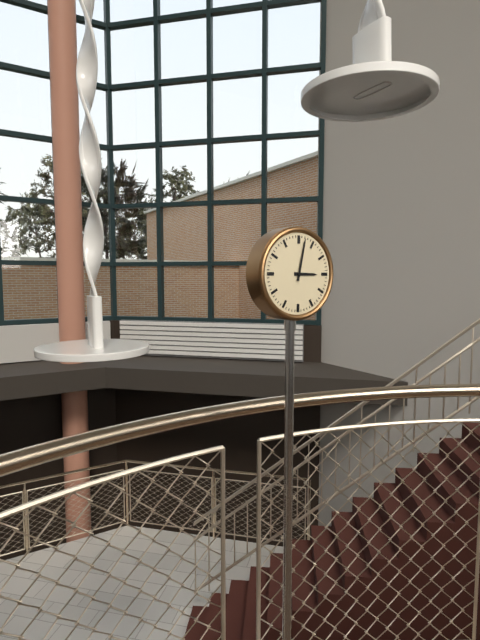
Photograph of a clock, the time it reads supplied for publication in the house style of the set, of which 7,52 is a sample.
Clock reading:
3,02
